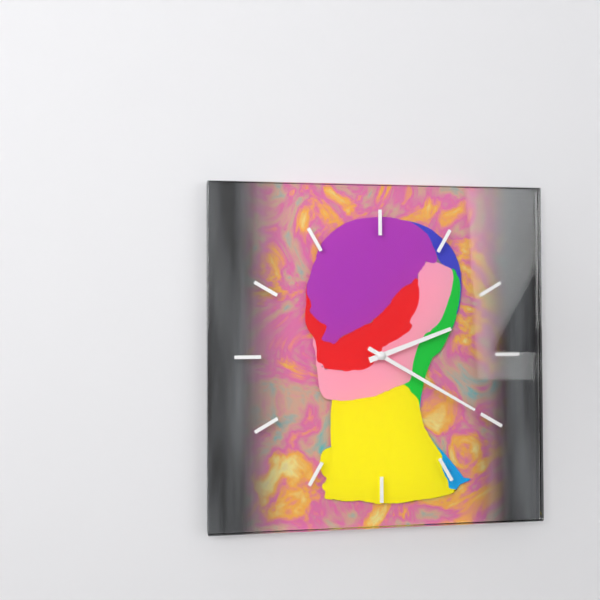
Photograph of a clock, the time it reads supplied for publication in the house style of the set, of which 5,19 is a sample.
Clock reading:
2,20
